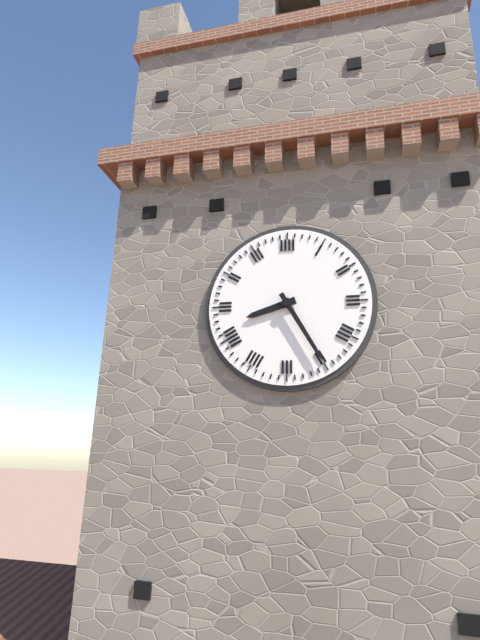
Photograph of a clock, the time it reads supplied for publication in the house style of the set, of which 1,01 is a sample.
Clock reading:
8,25
